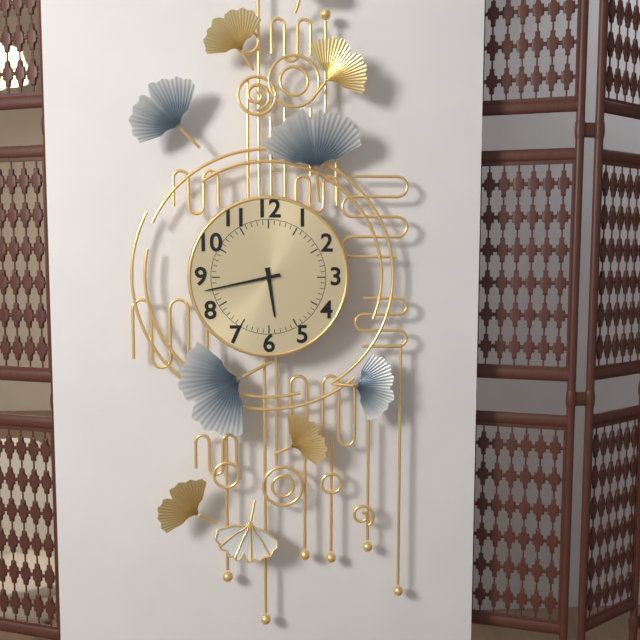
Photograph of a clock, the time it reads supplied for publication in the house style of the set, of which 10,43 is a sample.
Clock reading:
5,43
